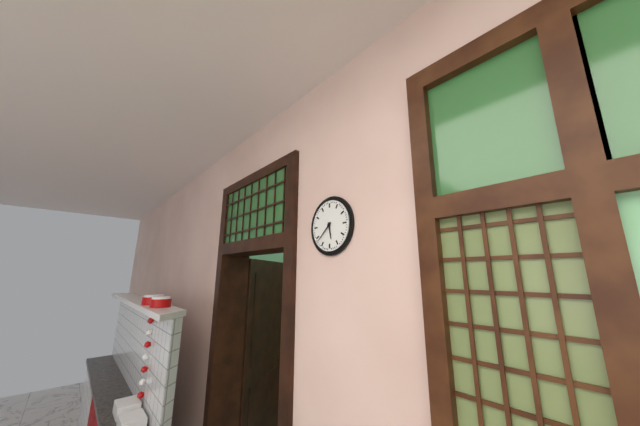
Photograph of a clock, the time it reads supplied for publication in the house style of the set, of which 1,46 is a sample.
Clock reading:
5,38
